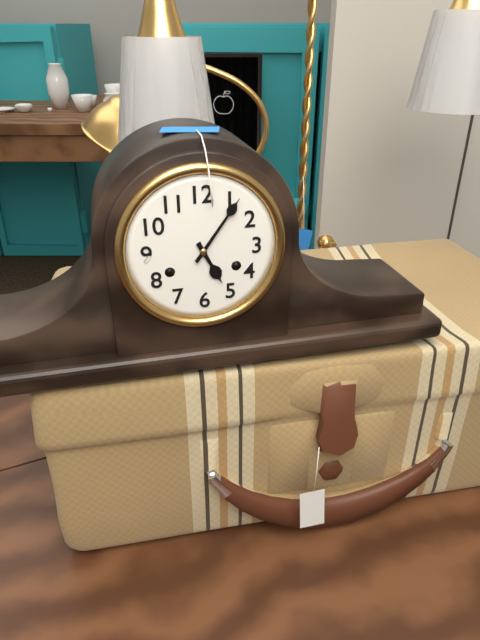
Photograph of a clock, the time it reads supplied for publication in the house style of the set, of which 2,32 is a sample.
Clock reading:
5,06
